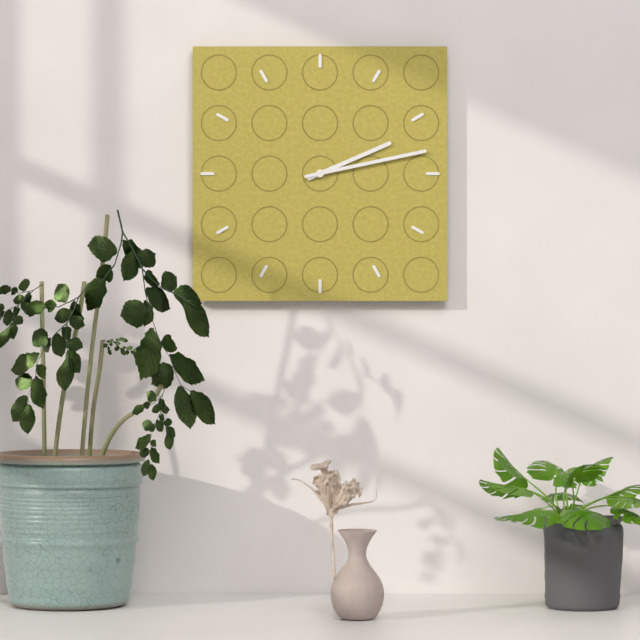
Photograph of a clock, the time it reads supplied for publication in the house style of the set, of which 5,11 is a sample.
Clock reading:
2,13
